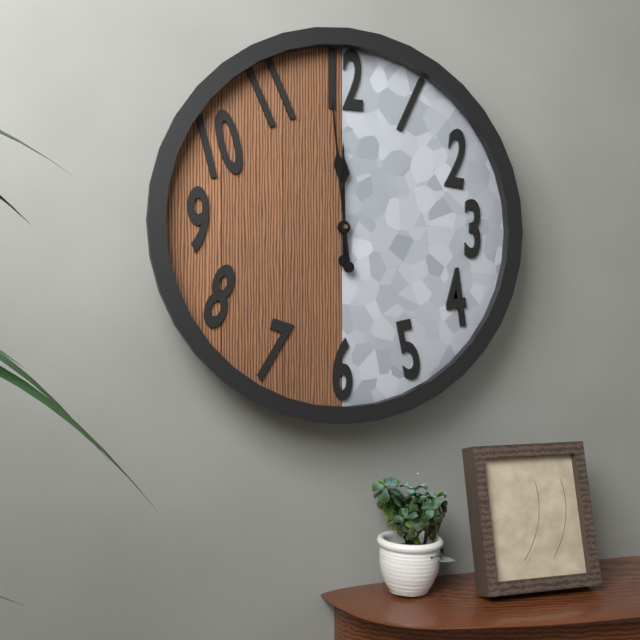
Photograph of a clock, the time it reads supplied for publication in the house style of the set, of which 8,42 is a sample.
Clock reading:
11,59
